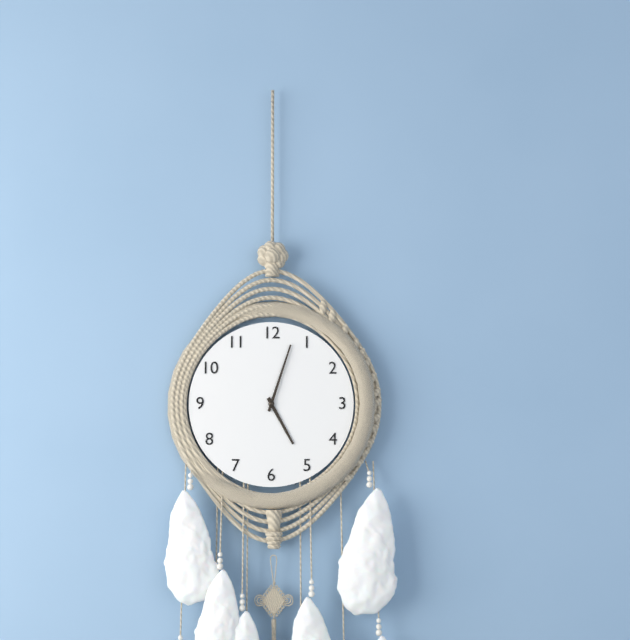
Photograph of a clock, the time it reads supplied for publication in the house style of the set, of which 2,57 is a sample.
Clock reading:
5,03
